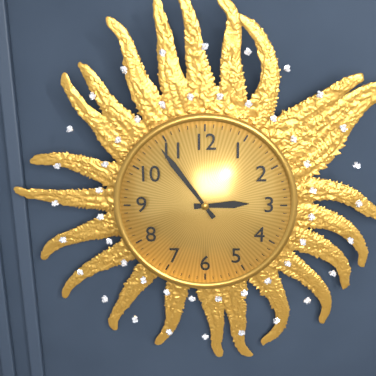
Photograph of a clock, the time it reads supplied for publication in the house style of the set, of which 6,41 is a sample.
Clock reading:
2,54
